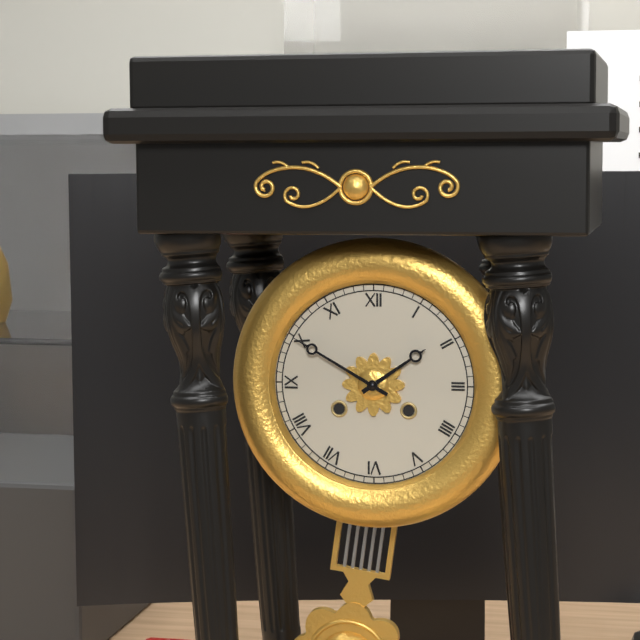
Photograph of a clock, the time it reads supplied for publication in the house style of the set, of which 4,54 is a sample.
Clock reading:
1,50
